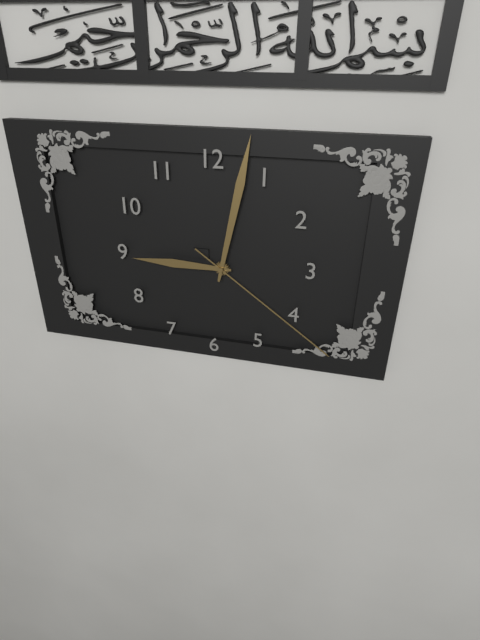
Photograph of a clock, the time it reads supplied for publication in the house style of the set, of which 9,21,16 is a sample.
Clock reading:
9,02,21
